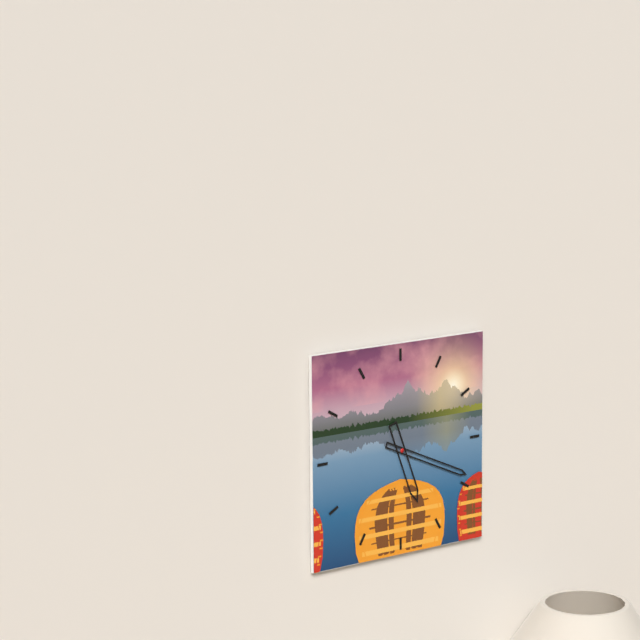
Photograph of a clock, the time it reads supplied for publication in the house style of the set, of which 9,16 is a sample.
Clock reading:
5,19
